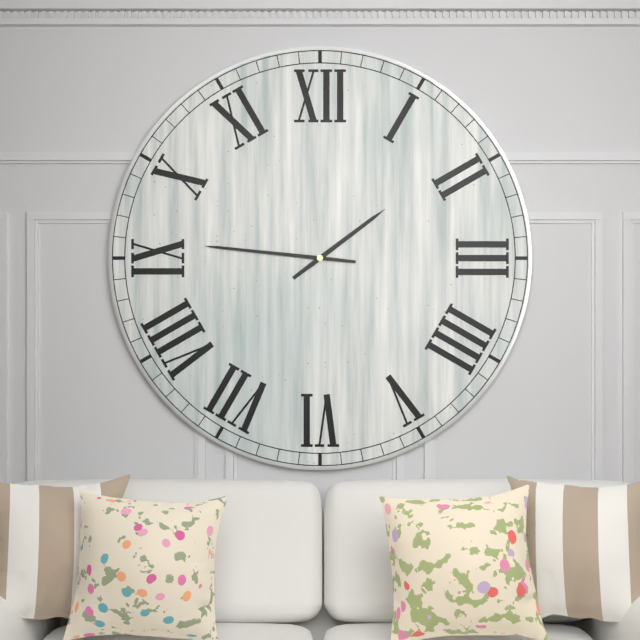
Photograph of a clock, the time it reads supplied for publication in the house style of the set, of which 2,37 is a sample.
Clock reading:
1,46
